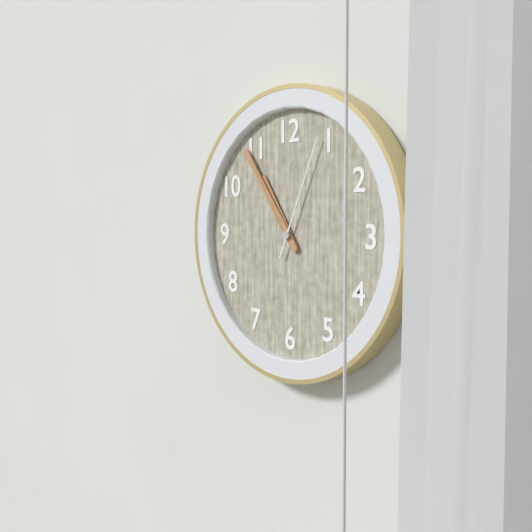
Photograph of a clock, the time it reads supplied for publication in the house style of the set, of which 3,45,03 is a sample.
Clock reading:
10,54,04
